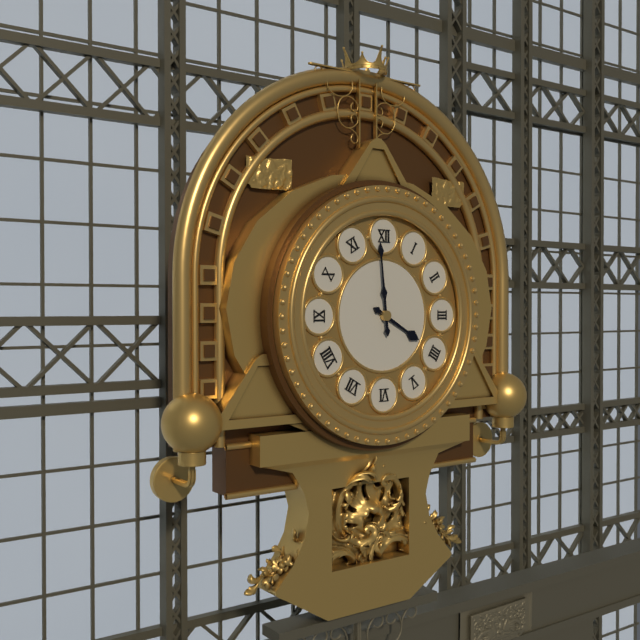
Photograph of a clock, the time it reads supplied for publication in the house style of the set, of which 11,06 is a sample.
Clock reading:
3,59
